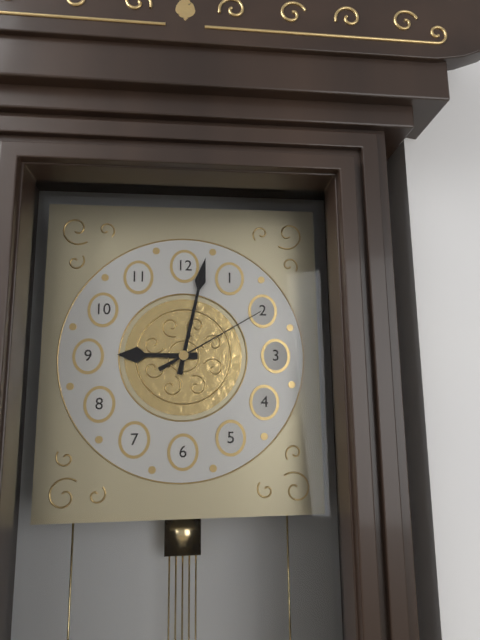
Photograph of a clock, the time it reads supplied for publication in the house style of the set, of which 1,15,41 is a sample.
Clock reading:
9,02,10
